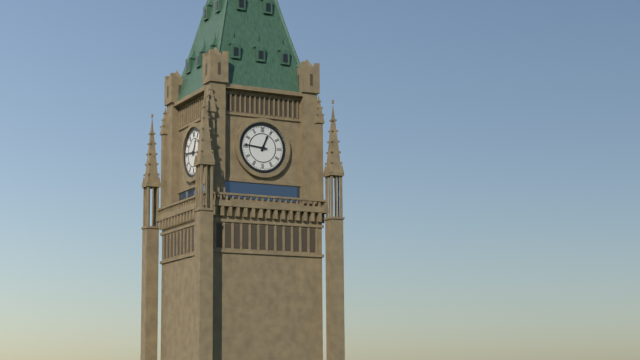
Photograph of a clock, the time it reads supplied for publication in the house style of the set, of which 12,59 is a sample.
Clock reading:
12,46
